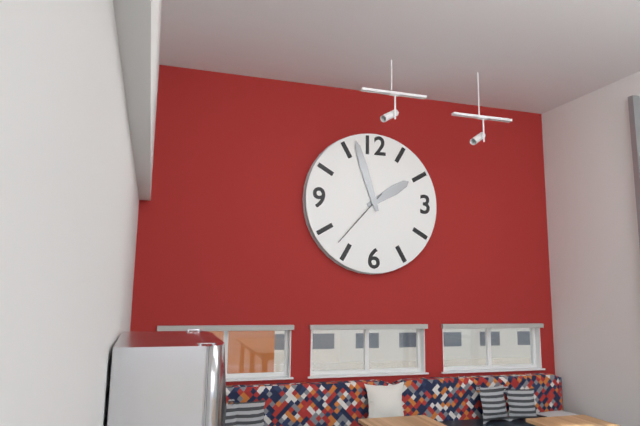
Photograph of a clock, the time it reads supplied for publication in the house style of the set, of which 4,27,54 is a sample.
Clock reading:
1,57,37
